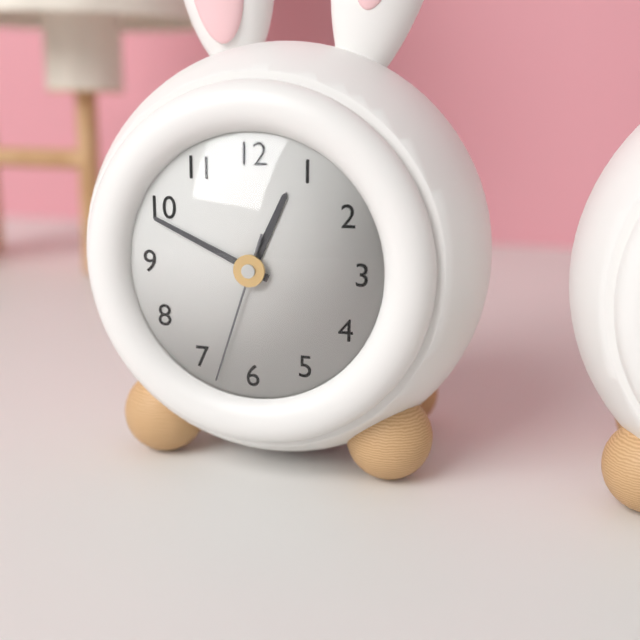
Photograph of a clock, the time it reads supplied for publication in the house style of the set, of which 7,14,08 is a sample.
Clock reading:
12,49,33
